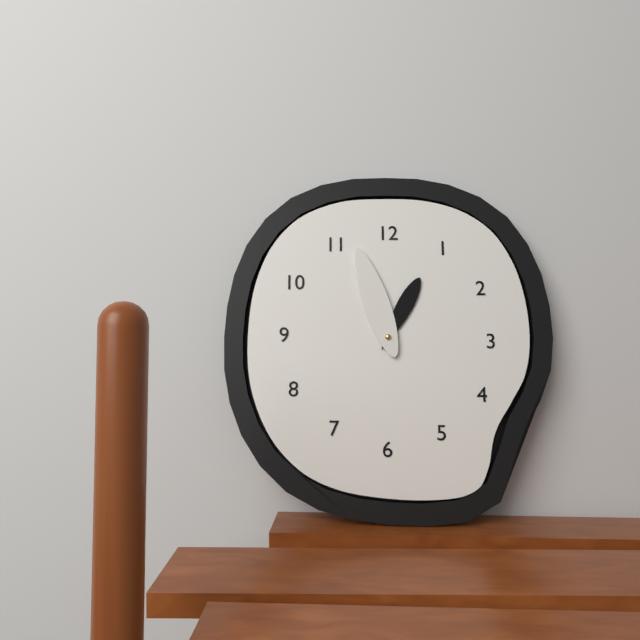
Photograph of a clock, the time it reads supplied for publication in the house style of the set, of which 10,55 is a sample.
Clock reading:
12,57
